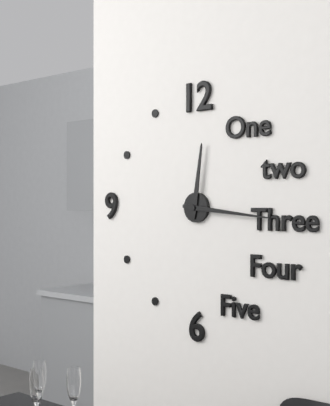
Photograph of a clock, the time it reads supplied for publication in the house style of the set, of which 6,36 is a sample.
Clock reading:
12,16
